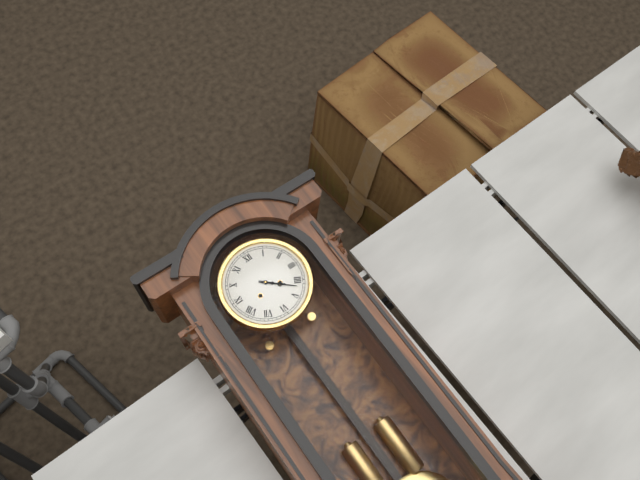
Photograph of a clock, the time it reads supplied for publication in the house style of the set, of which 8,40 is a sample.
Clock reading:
4,22
